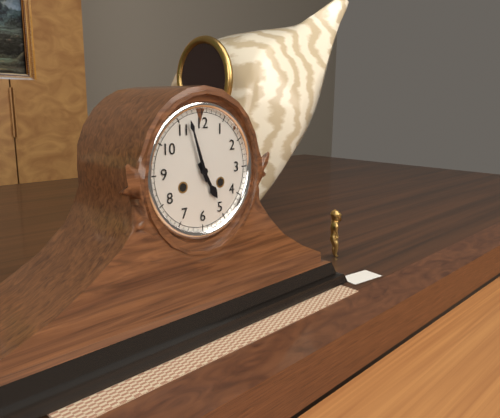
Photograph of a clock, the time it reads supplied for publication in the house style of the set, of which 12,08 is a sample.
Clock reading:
4,57
